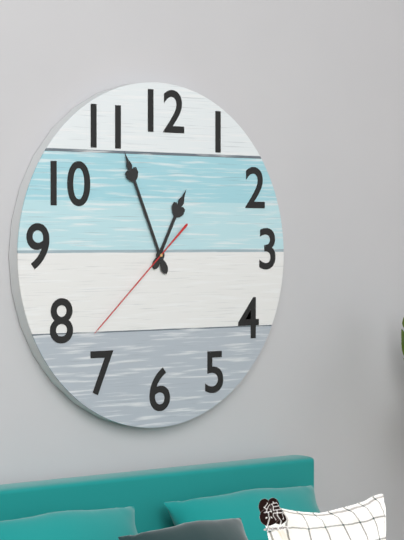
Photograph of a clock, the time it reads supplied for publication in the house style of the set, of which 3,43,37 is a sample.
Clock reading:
12,56,38
